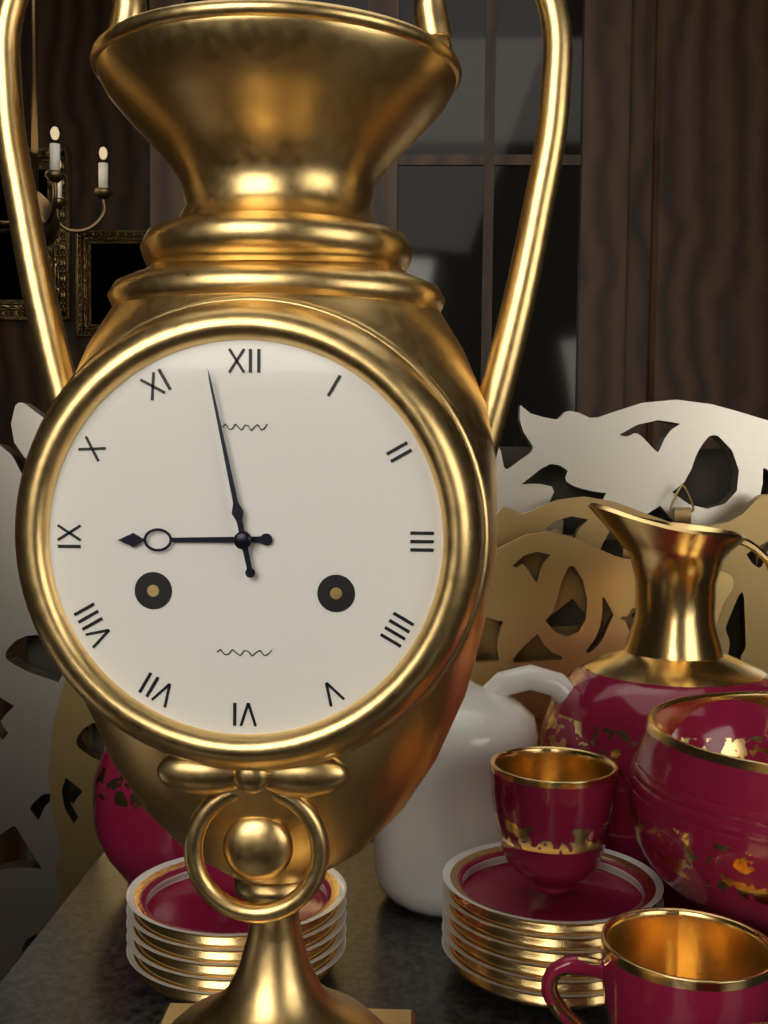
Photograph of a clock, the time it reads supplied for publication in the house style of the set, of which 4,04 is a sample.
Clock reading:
8,58
